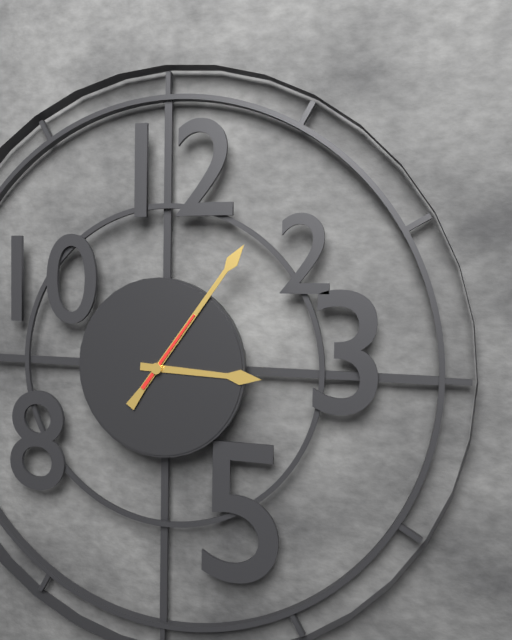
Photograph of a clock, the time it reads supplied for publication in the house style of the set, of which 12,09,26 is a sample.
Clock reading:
3,06,06
